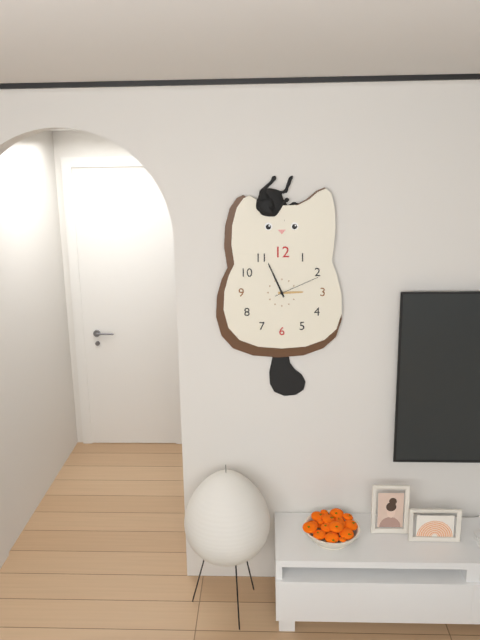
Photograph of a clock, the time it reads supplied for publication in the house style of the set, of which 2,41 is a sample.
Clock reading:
2,56
